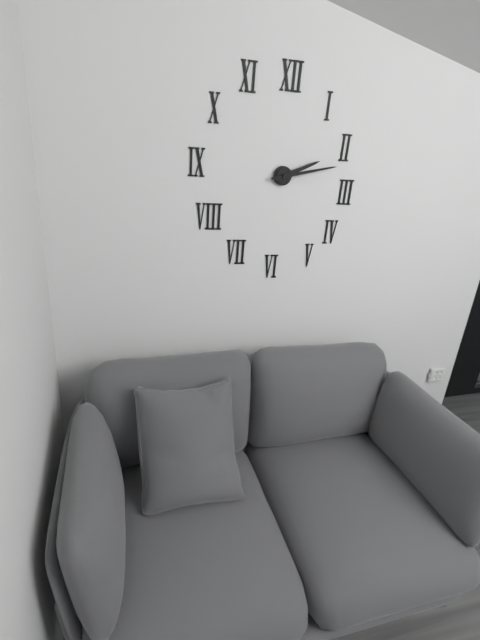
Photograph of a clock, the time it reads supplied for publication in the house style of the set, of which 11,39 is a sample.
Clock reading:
2,13
